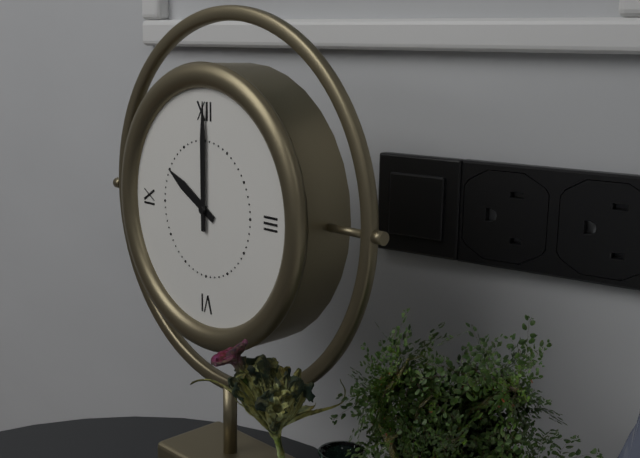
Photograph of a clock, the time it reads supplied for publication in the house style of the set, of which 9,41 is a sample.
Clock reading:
10,00
